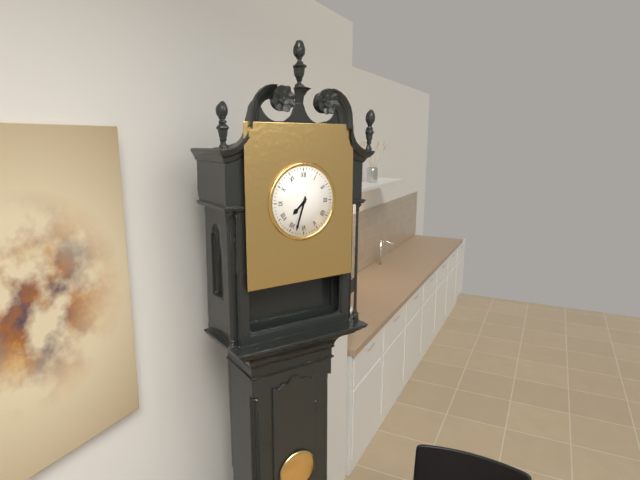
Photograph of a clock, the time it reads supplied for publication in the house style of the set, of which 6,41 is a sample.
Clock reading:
7,33
